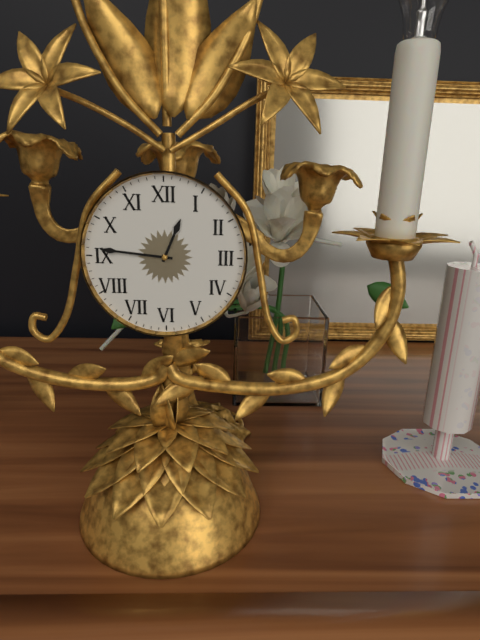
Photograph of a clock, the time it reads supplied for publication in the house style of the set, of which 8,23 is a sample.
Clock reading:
12,46
